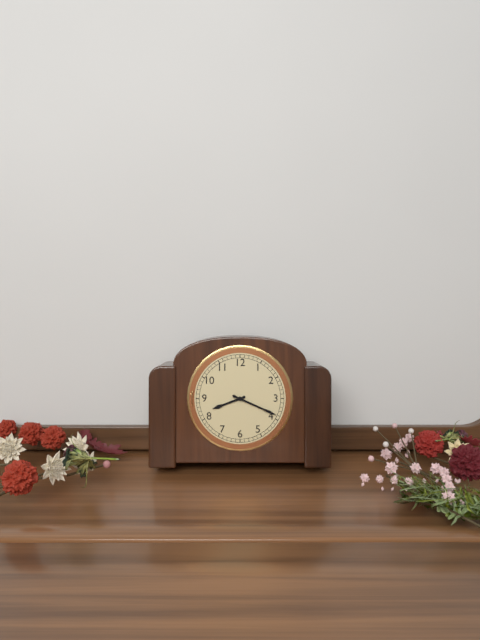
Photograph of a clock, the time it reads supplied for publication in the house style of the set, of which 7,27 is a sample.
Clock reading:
8,19
